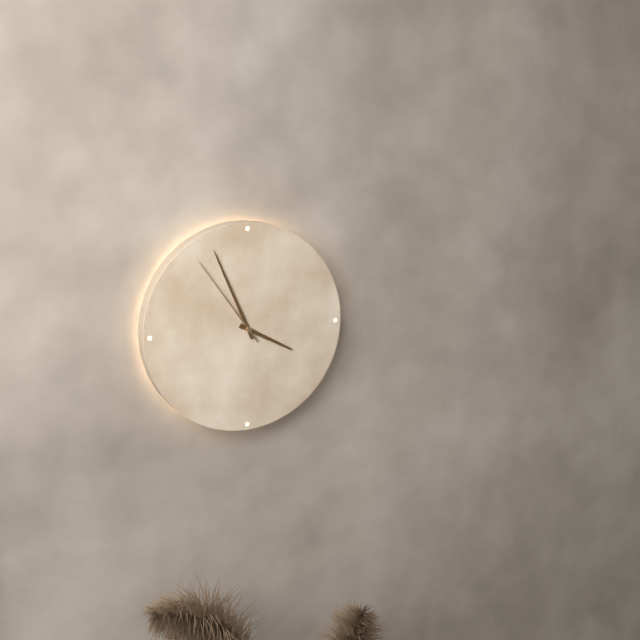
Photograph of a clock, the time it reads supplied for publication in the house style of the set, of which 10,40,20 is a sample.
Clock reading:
3,56,54
